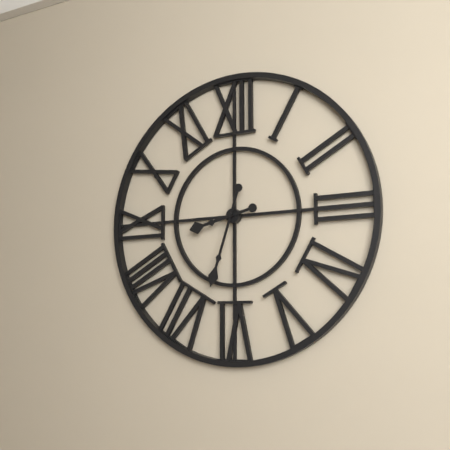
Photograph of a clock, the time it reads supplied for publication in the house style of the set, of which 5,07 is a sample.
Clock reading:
8,33
